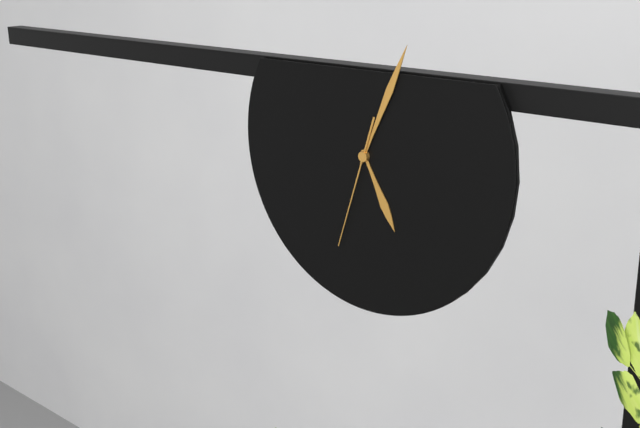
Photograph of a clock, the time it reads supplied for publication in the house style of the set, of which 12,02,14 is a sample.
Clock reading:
5,04,33
